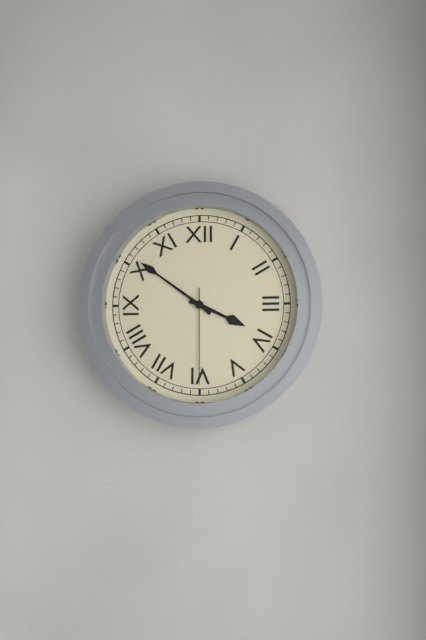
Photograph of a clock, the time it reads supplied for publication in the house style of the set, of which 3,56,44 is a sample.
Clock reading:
3,51,30
